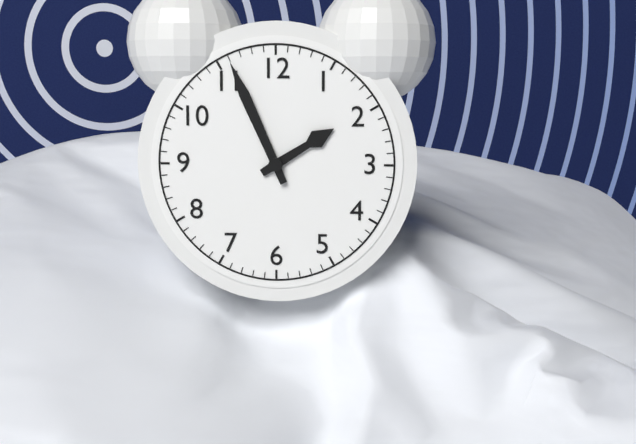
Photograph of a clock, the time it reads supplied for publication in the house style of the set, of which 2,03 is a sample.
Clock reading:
1,56
